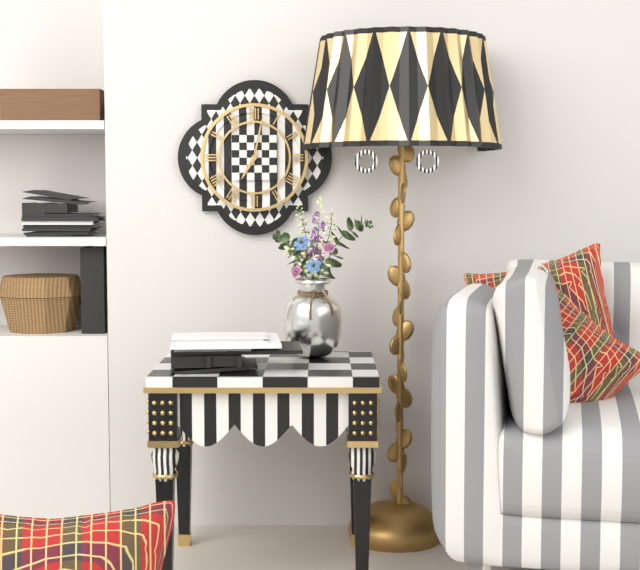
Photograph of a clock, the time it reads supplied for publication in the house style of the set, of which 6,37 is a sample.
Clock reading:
7,02
